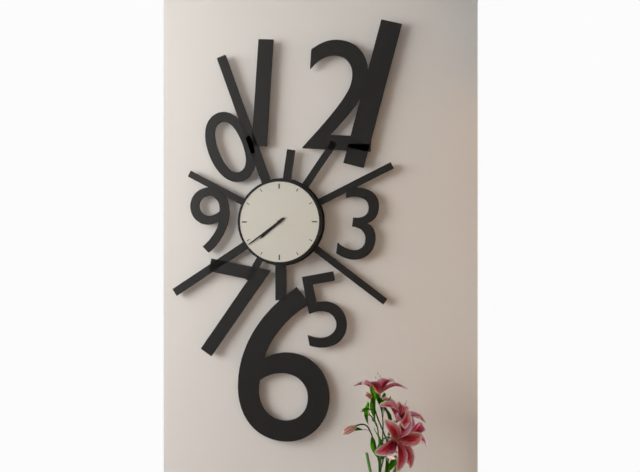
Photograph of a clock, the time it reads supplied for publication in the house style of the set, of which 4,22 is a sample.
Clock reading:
7,39
